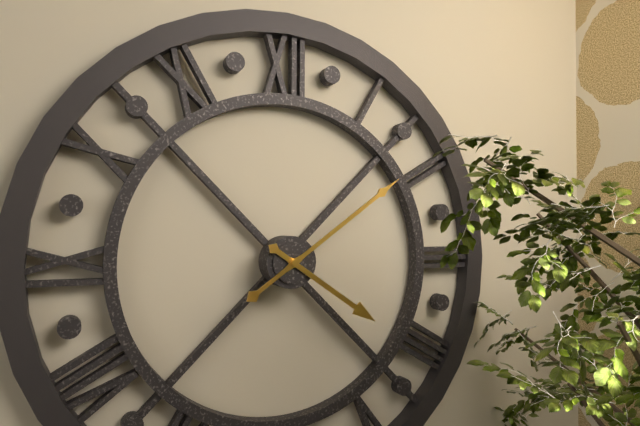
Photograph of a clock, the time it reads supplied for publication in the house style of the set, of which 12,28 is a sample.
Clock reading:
4,09
